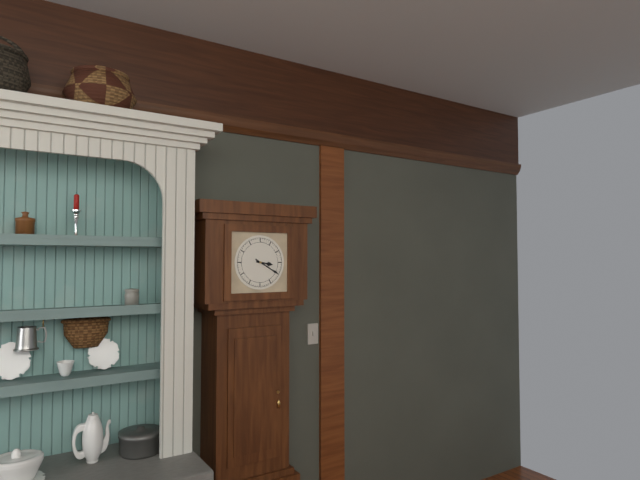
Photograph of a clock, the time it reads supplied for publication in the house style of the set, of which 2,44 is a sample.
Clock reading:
3,20
